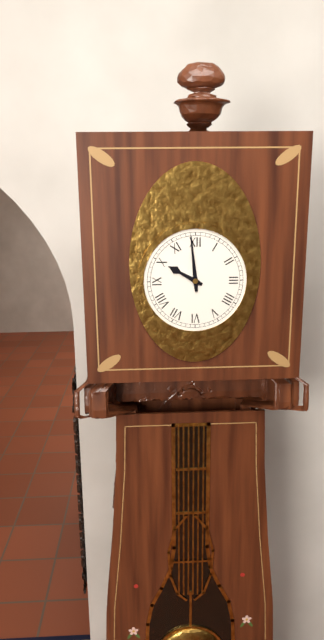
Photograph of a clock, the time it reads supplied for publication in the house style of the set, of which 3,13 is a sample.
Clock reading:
9,59
